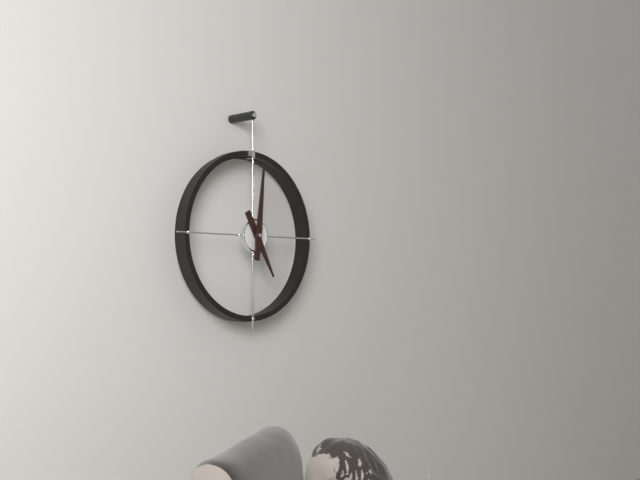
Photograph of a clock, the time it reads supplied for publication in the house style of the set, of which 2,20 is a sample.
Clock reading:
5,01
